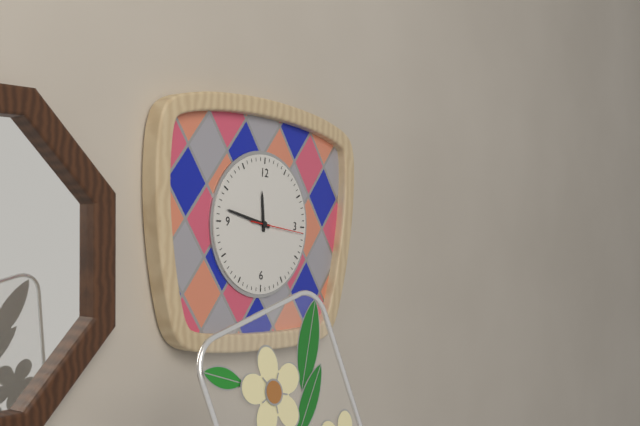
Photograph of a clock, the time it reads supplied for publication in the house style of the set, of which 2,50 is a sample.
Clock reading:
11,47
